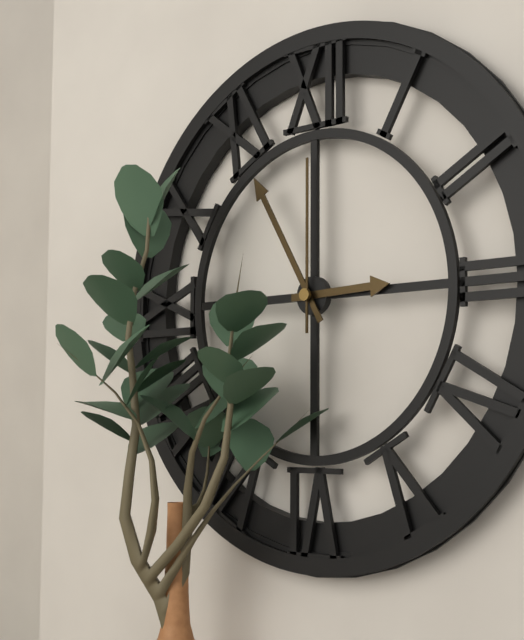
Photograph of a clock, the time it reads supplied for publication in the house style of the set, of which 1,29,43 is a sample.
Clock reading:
2,55,00
